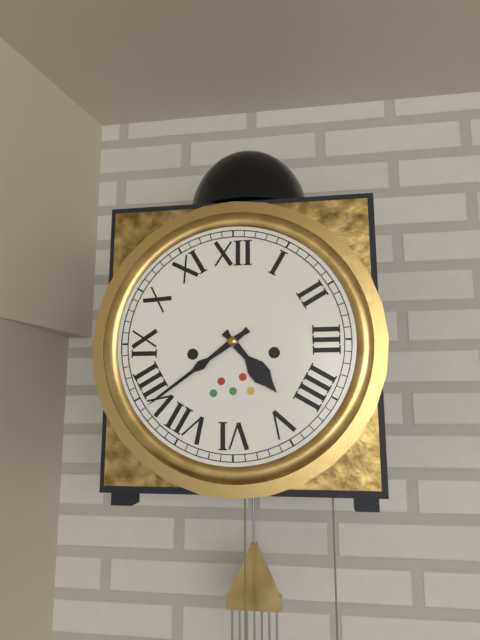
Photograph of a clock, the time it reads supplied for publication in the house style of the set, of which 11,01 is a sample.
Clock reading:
4,39
